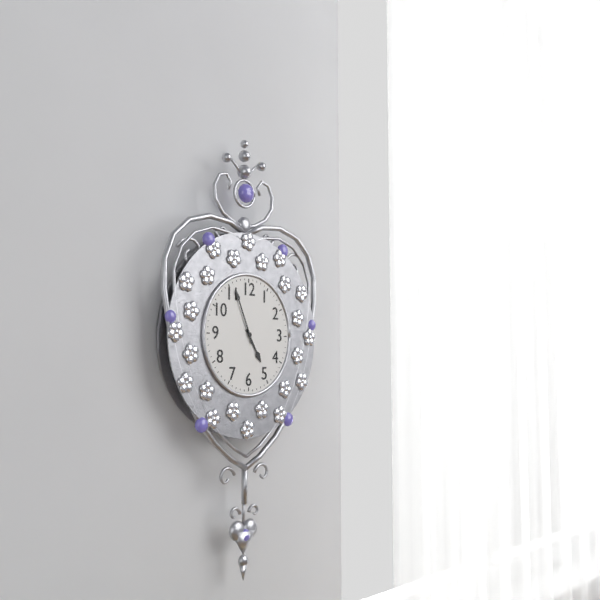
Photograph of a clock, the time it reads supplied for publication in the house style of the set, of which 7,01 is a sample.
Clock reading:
4,56
